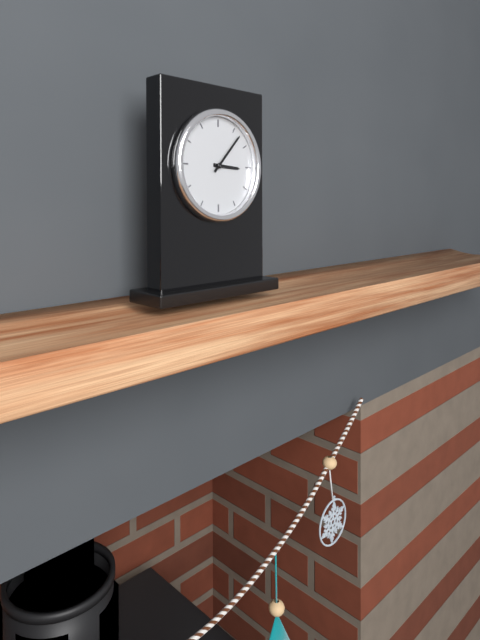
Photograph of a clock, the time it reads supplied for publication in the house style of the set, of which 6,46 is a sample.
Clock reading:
3,07
